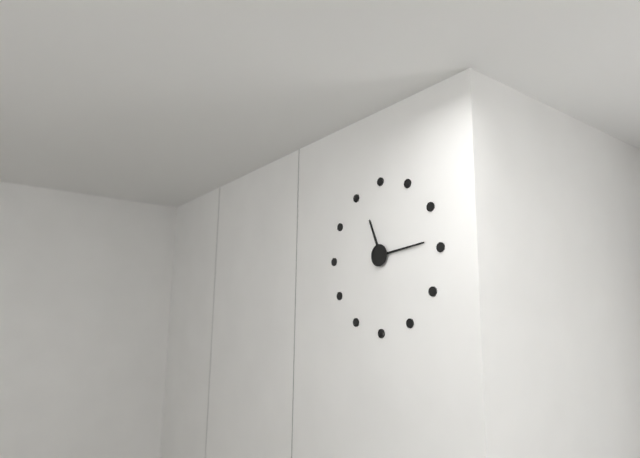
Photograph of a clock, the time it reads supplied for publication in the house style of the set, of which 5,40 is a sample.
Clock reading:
11,14
